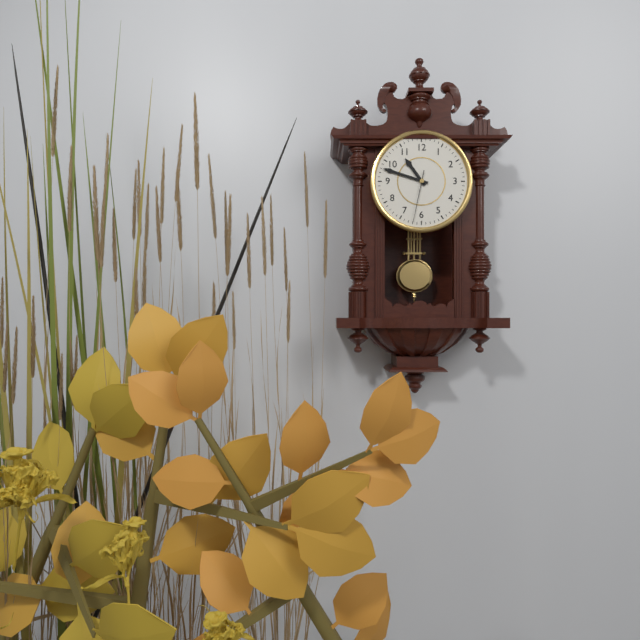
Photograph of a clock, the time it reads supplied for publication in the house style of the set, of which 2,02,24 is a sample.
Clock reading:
10,48,32
